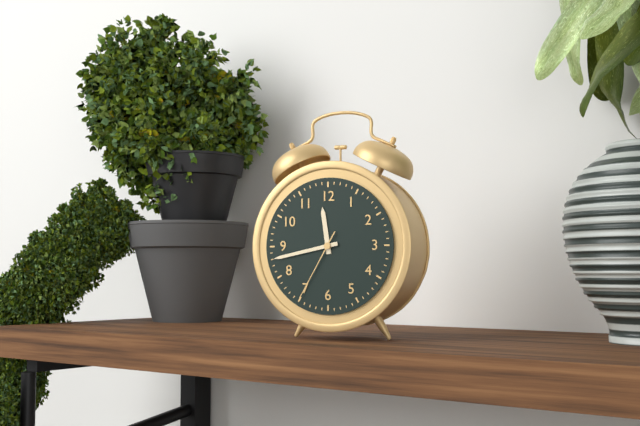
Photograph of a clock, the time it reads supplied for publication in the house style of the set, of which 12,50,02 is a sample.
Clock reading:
11,43,35
